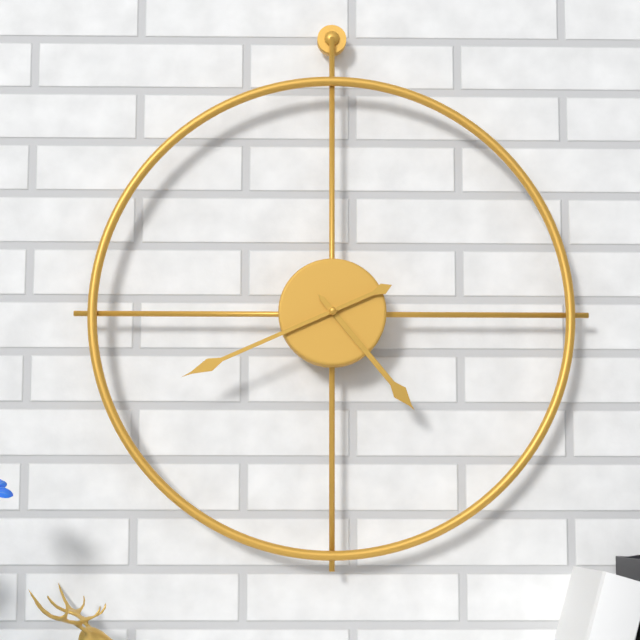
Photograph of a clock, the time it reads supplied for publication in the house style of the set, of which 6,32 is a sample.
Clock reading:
4,41
